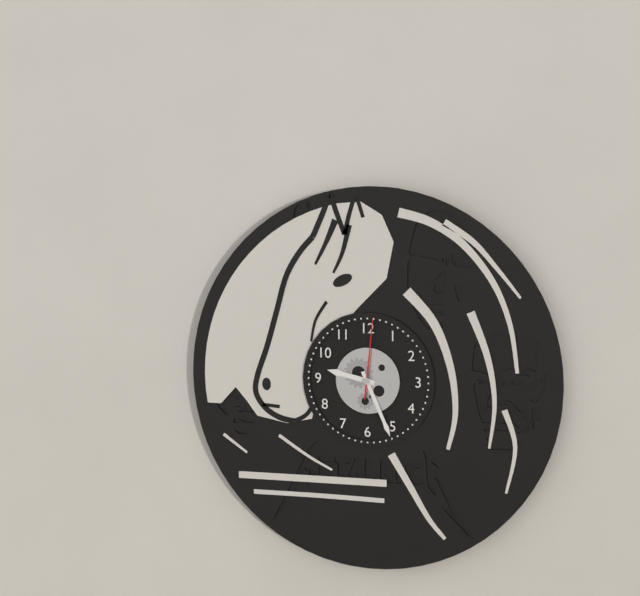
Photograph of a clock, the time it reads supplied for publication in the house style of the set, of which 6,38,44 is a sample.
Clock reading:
9,26,01
